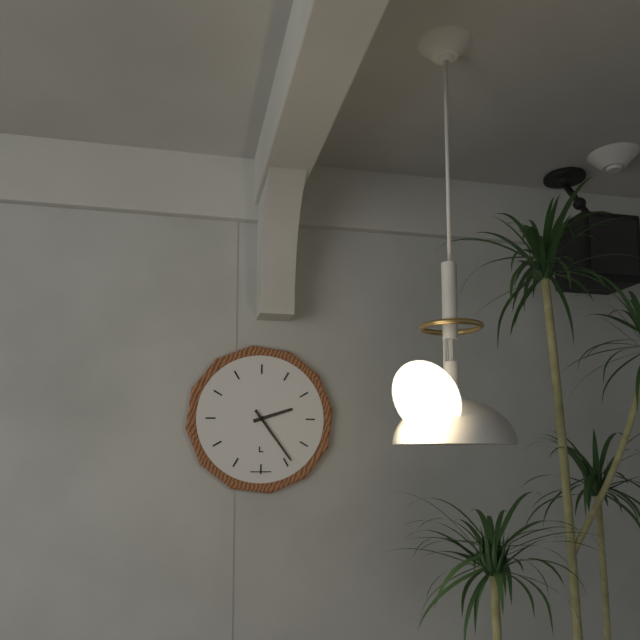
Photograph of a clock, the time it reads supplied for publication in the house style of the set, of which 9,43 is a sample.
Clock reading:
2,24
